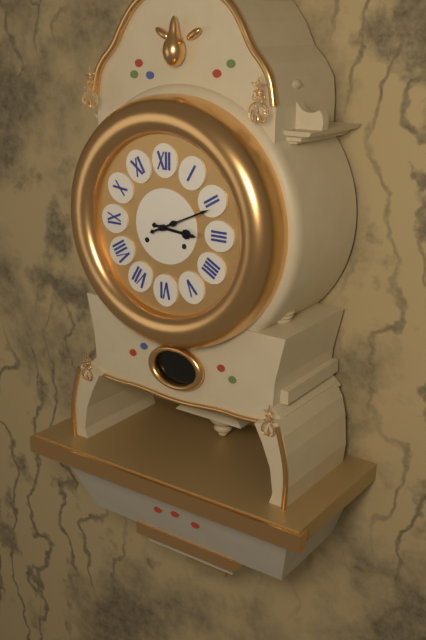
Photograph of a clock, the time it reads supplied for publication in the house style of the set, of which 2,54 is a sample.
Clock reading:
3,11
